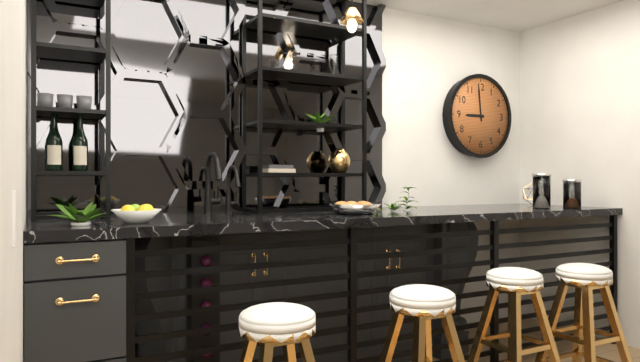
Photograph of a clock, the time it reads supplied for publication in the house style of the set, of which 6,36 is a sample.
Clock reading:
8,59
